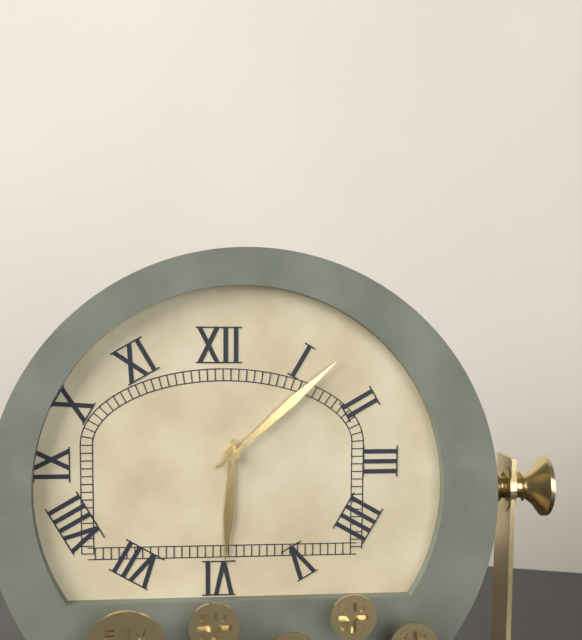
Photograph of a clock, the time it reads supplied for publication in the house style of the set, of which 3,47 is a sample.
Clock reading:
6,08
